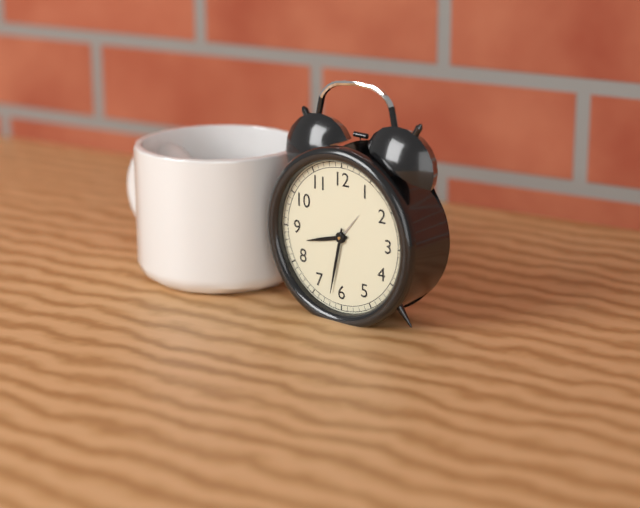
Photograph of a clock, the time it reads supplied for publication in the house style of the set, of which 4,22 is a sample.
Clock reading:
8,32
